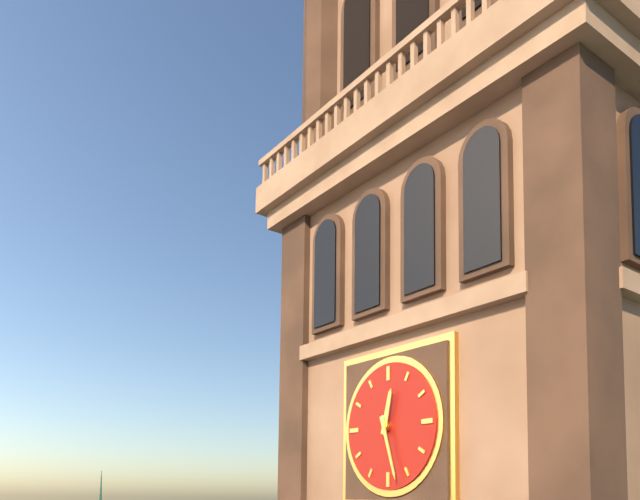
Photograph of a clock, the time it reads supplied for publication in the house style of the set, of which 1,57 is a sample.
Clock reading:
12,27
